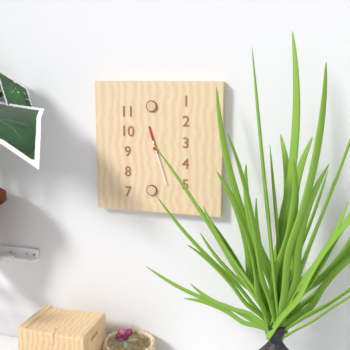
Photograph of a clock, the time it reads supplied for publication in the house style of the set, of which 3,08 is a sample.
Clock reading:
11,27
